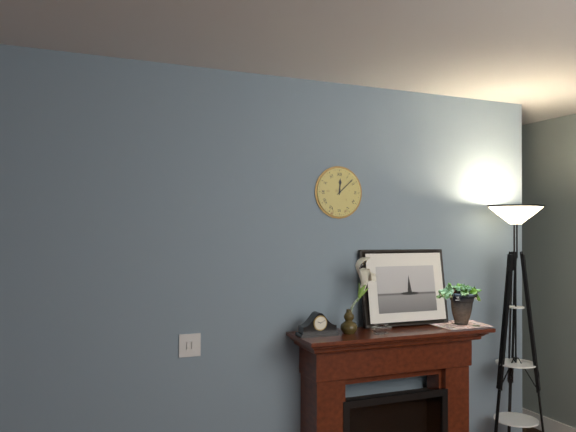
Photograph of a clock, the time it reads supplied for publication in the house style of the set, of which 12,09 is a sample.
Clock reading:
12,08
